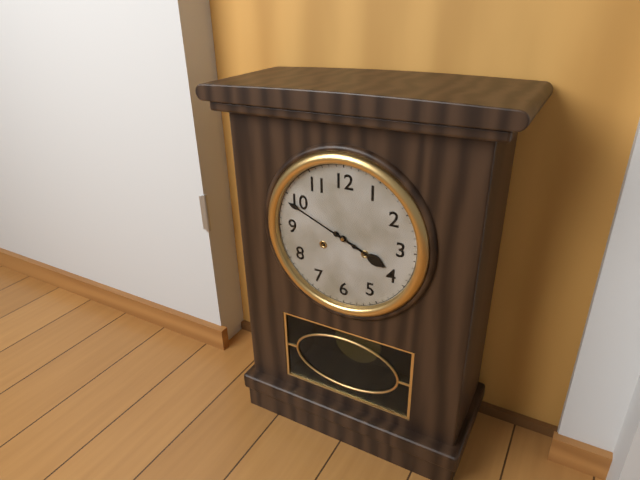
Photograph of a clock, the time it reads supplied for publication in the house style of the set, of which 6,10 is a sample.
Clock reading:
3,49
